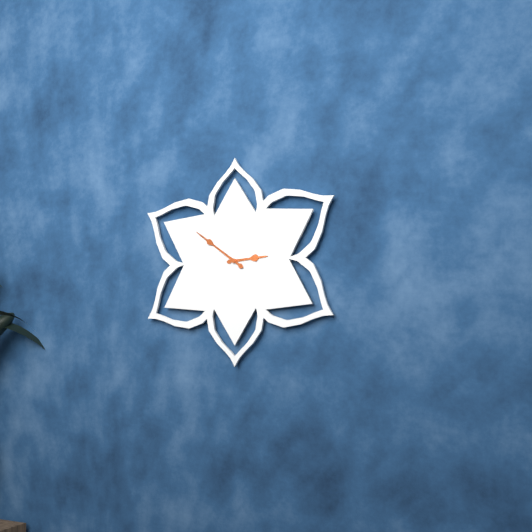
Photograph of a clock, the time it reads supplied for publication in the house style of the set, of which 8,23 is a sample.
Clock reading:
2,51
